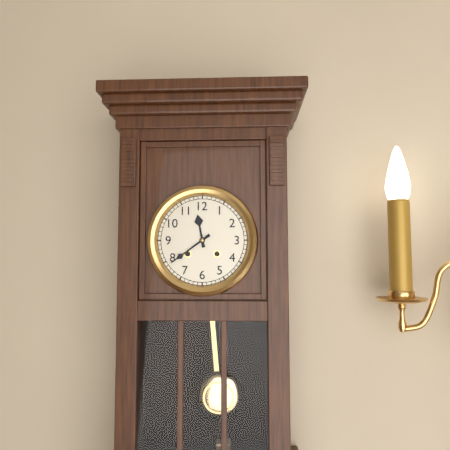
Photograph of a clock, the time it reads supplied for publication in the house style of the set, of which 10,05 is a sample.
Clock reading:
11,39
